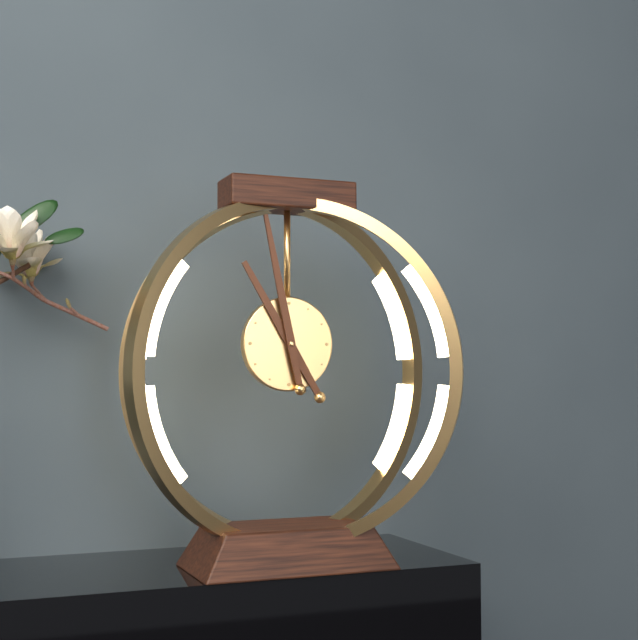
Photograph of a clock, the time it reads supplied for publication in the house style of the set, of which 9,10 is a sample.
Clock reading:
10,58
